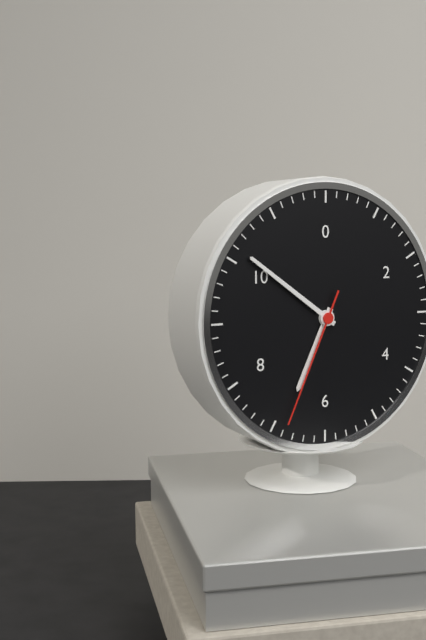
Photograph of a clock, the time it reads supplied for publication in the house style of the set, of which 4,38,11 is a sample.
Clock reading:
6,51,34
